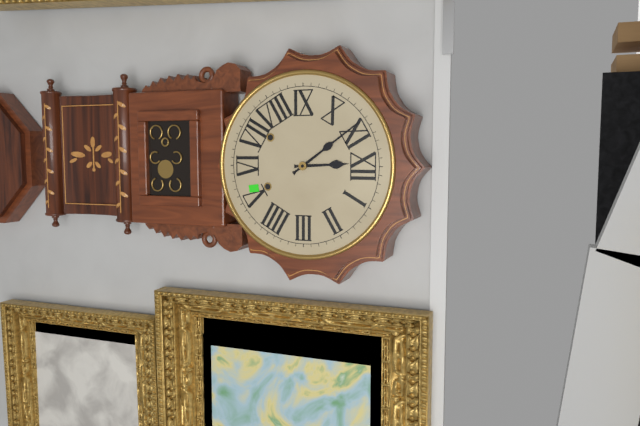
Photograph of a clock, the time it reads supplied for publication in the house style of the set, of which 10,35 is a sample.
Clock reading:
11,54
